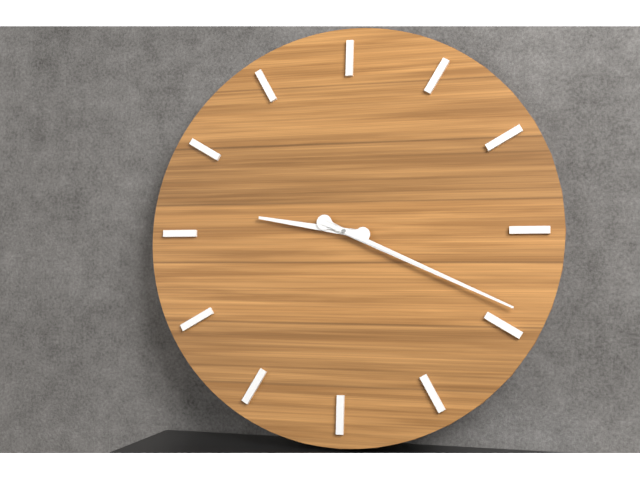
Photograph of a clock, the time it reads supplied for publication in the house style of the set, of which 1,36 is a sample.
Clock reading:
9,19
